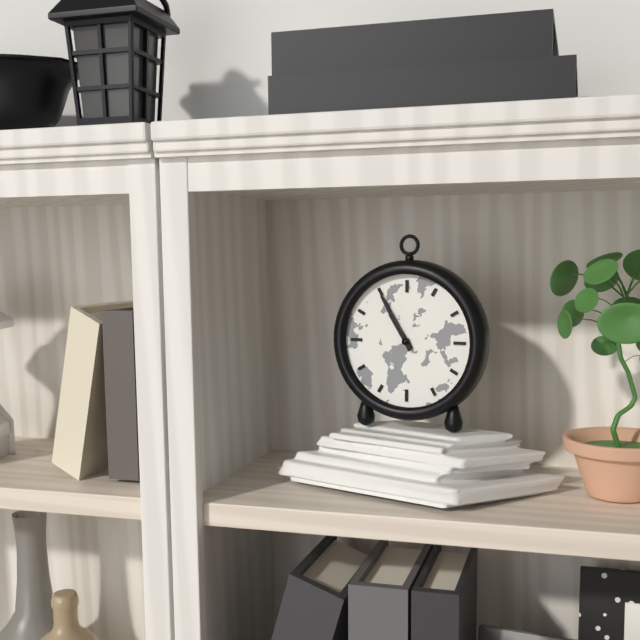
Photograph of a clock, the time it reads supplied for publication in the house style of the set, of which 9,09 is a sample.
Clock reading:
10,55
